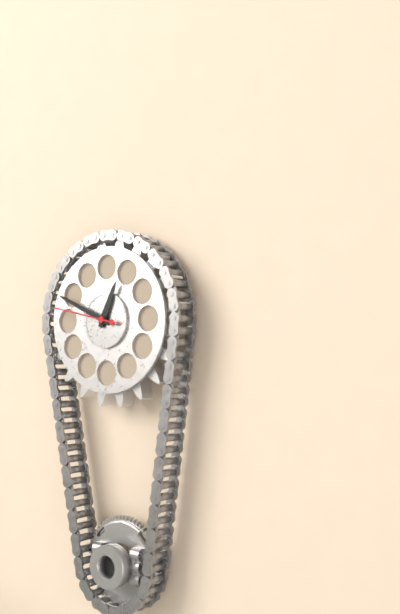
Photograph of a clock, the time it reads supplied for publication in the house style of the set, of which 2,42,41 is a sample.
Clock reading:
12,49,47
